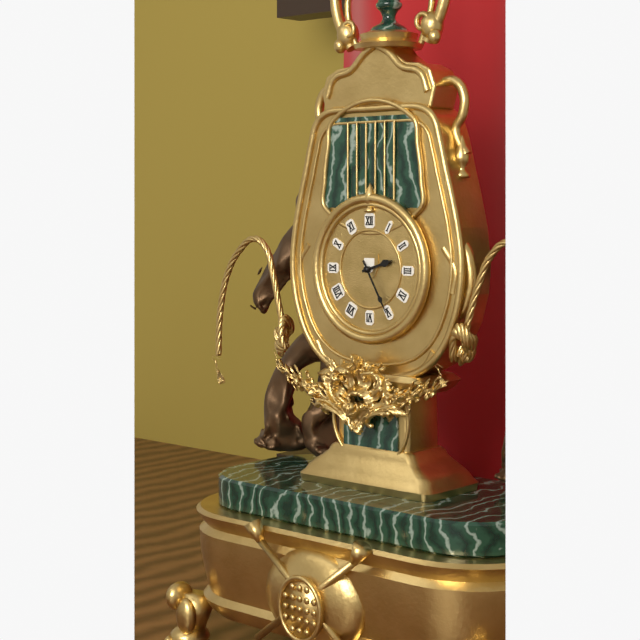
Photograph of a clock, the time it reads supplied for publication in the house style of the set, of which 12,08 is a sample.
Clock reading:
2,25
